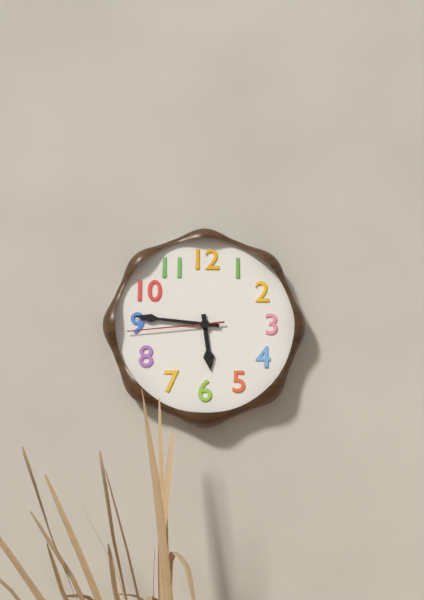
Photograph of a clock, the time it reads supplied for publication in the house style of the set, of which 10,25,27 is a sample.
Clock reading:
5,46,44
